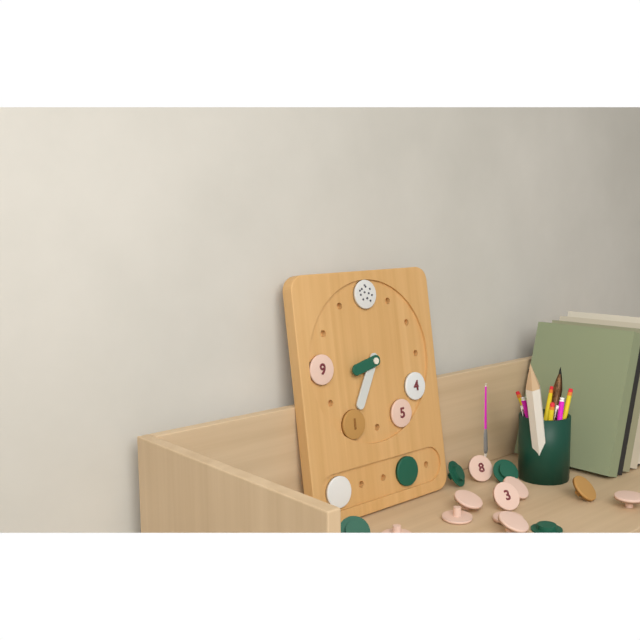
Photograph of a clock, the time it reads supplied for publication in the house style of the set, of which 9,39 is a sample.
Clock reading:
8,35
